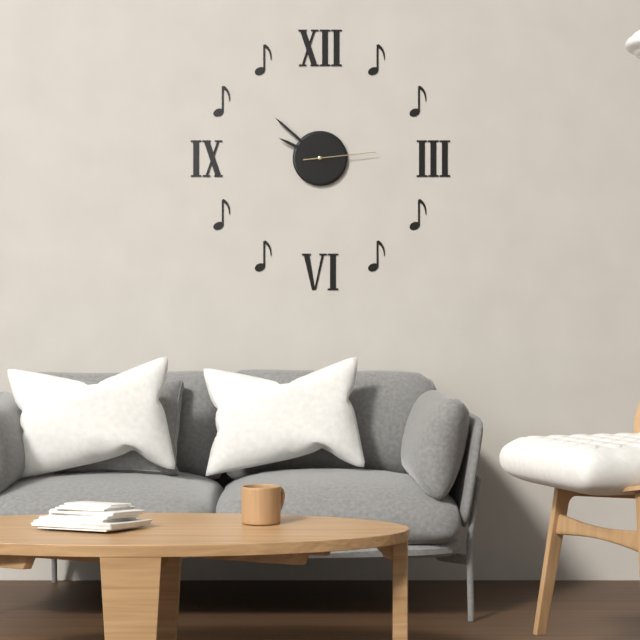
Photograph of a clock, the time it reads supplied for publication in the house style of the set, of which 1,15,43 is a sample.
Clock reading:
9,52,14
